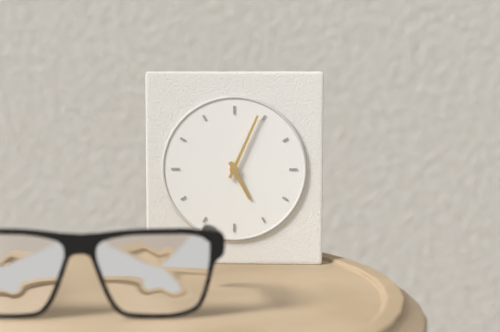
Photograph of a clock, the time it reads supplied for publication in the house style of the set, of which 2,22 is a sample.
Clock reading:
5,04
